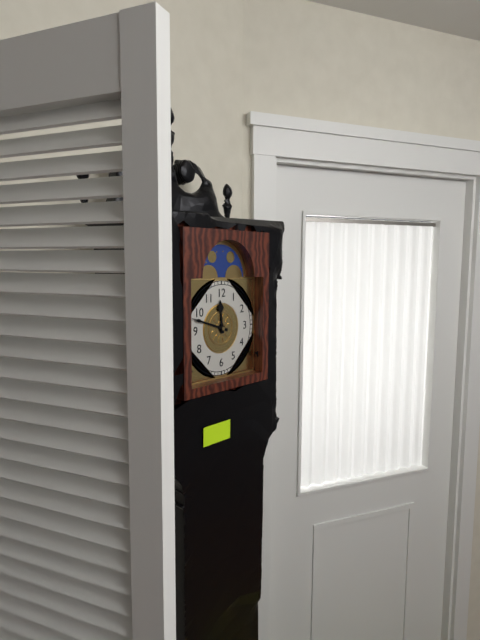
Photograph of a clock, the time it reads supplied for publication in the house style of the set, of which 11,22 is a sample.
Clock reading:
11,48
